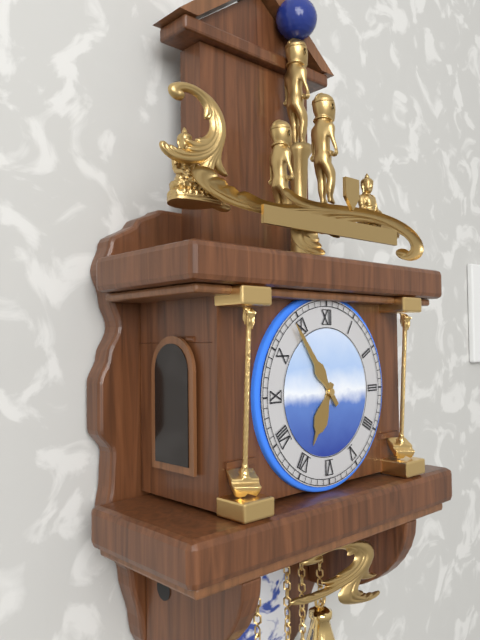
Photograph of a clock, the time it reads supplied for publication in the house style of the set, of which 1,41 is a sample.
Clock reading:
6,54
